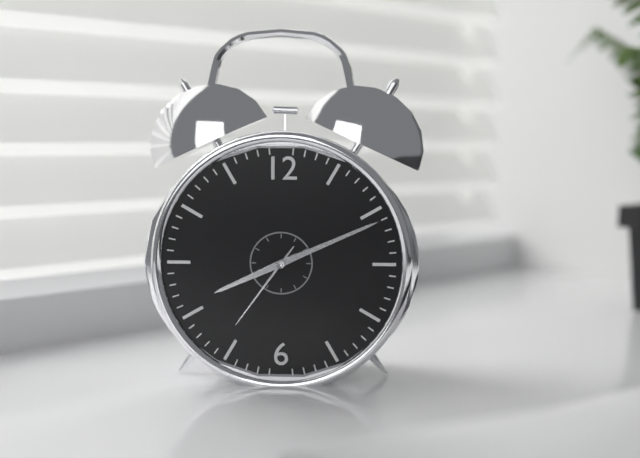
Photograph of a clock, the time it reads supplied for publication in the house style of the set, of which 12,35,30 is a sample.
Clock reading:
8,11,36
